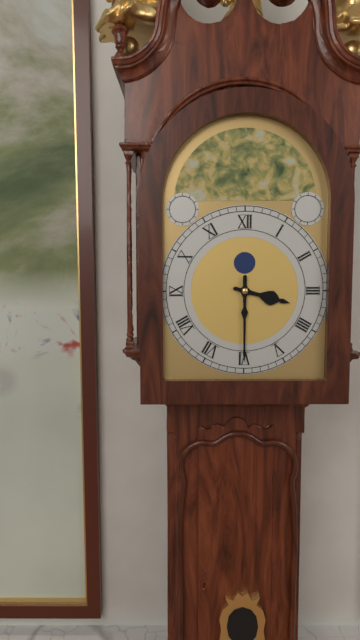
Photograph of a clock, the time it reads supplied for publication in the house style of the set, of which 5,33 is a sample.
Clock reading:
3,30
